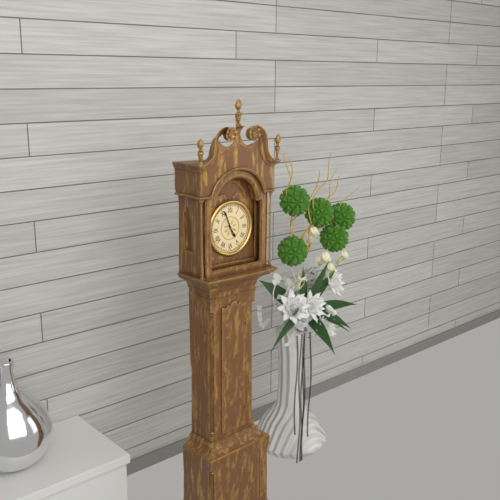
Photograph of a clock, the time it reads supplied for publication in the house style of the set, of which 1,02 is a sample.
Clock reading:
4,56
